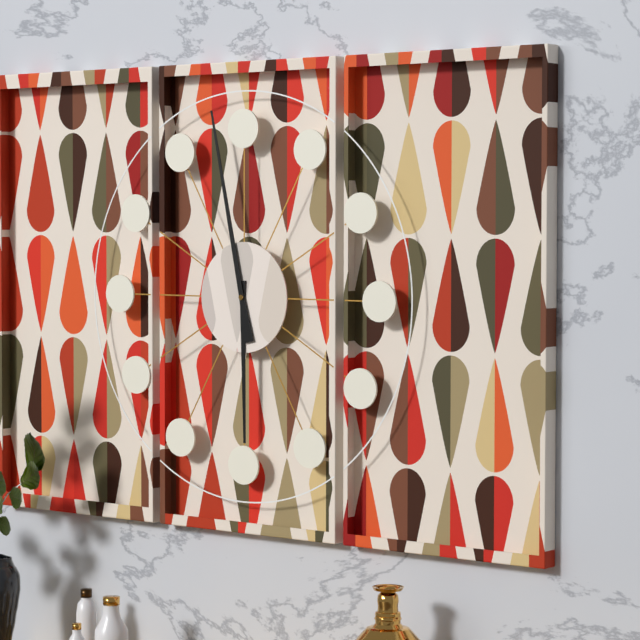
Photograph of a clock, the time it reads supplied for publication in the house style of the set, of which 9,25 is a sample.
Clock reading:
5,58
